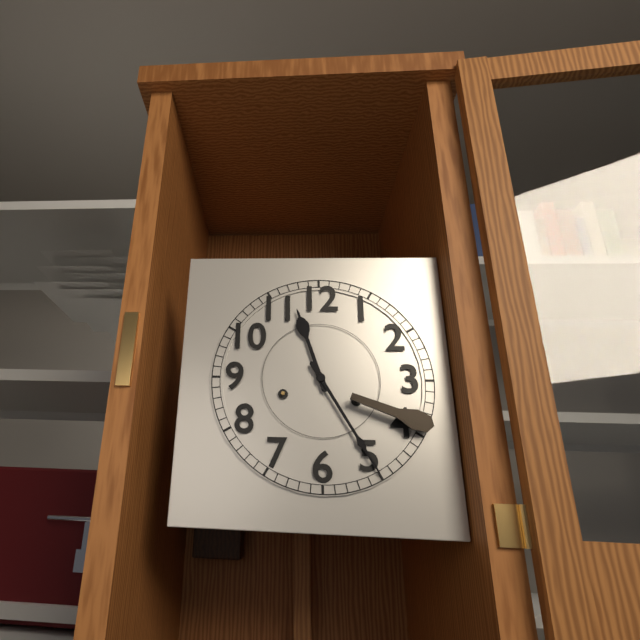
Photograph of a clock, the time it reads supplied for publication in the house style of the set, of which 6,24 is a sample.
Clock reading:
11,25
